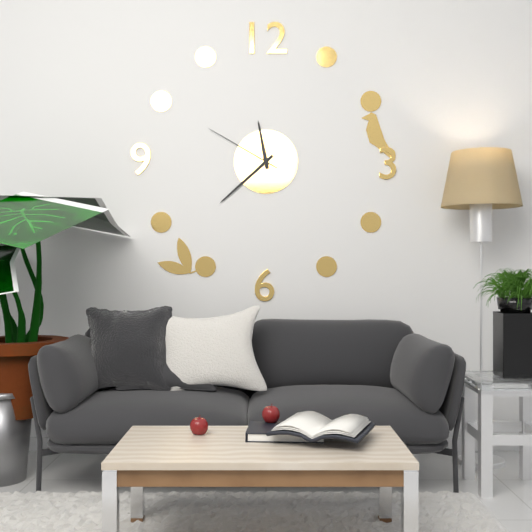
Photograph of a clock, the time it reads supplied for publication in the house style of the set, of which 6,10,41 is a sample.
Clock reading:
11,38,50
